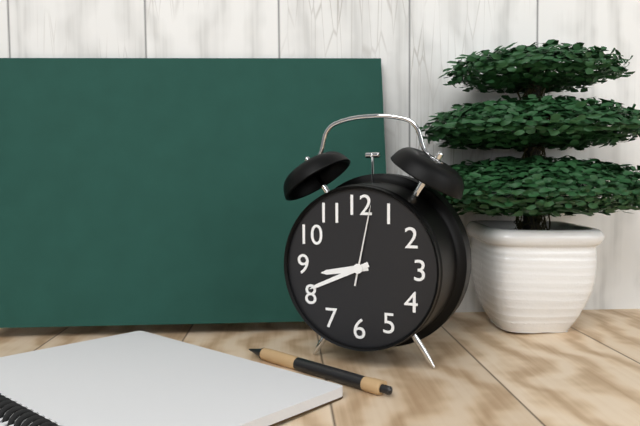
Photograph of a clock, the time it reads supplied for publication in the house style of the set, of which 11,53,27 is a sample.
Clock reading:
8,41,02
